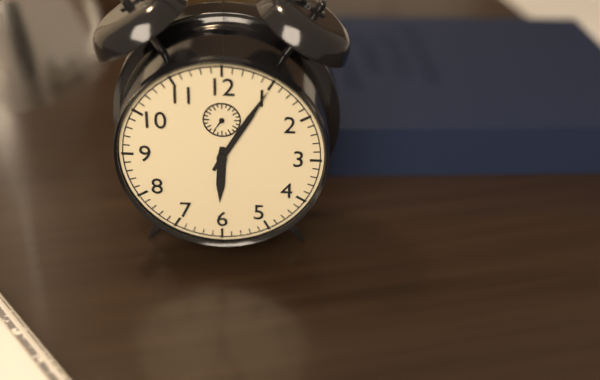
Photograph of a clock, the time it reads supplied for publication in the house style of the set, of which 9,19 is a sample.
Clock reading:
6,05
